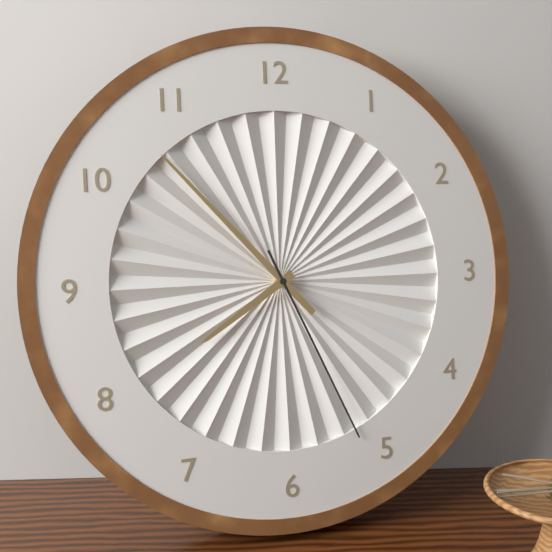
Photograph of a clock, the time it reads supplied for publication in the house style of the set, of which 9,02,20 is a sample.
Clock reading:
7,53,26
